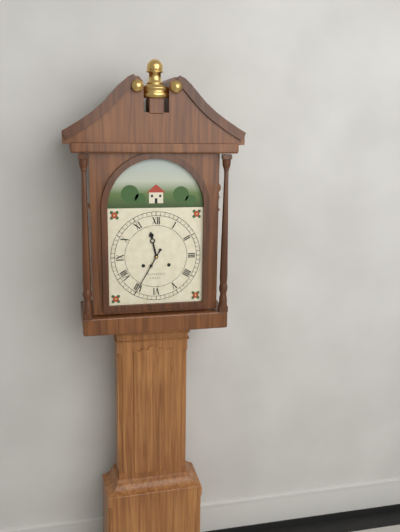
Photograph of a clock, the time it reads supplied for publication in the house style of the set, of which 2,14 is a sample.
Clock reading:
11,35
